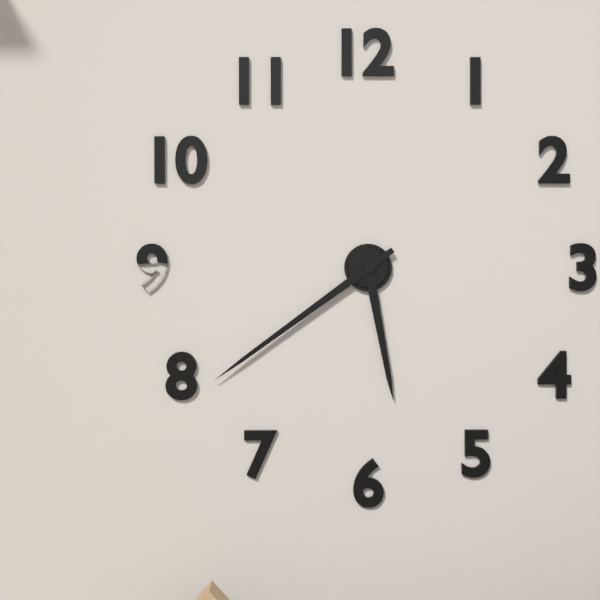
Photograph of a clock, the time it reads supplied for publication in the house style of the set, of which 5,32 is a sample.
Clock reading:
5,39
